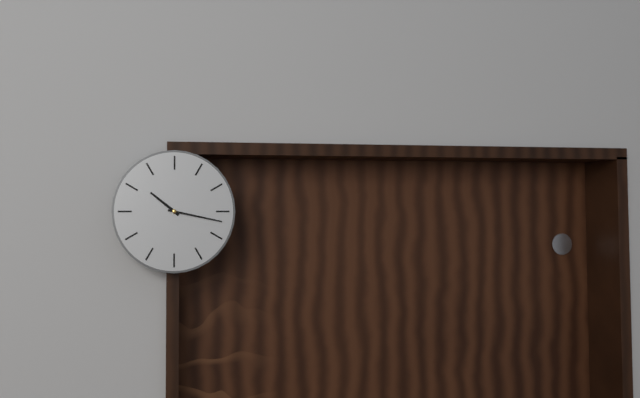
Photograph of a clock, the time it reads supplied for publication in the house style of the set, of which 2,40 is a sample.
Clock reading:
10,17
